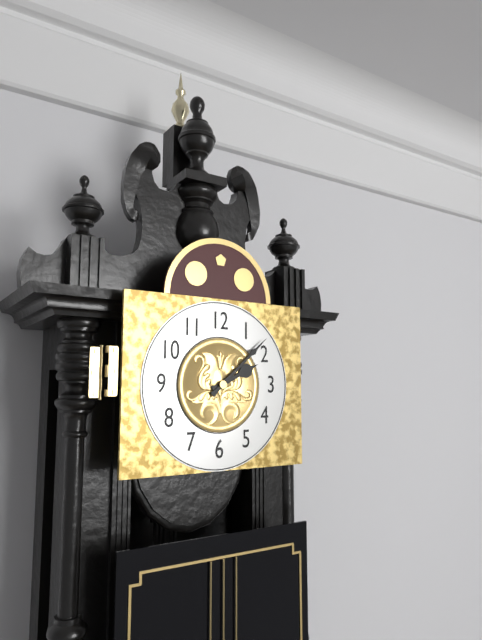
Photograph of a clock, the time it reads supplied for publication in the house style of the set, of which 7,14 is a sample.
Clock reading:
2,08
